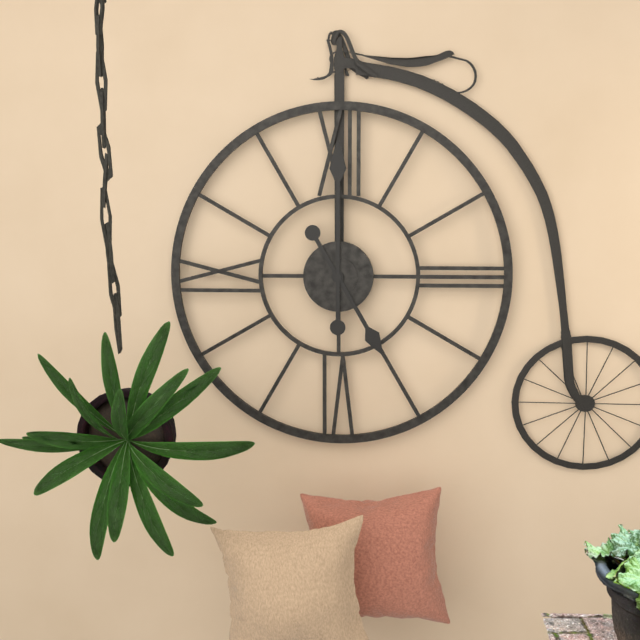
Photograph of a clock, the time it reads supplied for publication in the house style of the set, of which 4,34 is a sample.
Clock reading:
5,00
